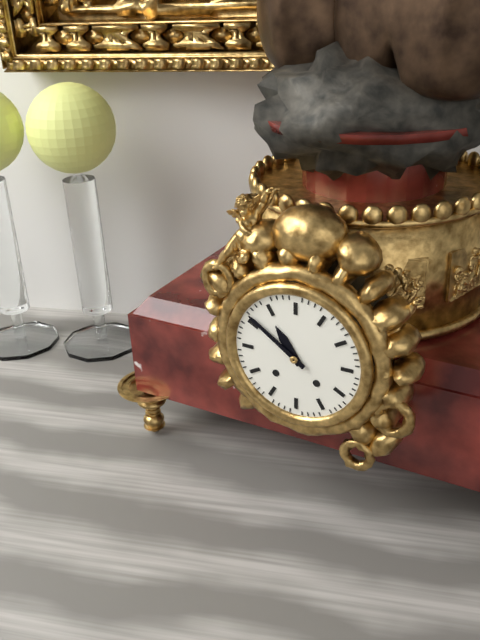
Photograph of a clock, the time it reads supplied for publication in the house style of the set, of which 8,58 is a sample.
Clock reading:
10,51
